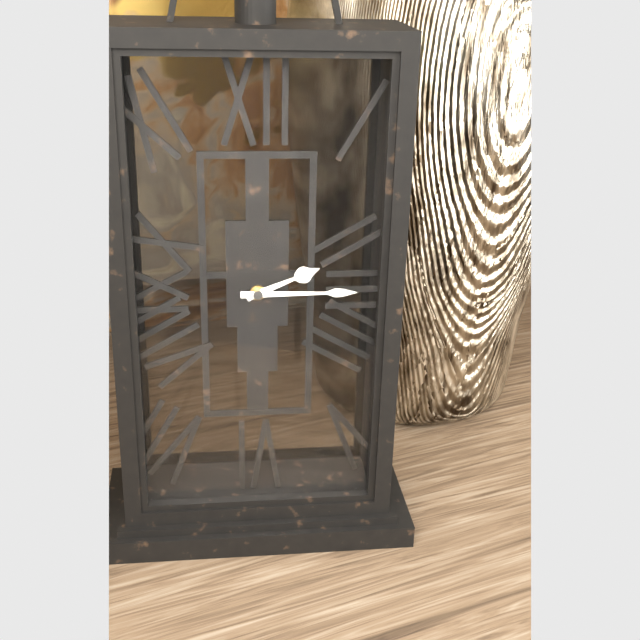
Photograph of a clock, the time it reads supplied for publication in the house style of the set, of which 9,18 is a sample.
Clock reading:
2,15
